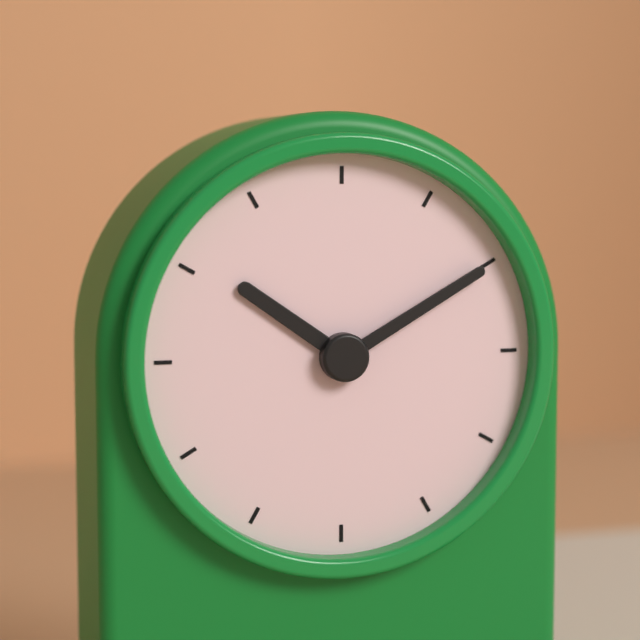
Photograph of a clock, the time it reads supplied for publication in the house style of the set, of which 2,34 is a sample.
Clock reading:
10,10
